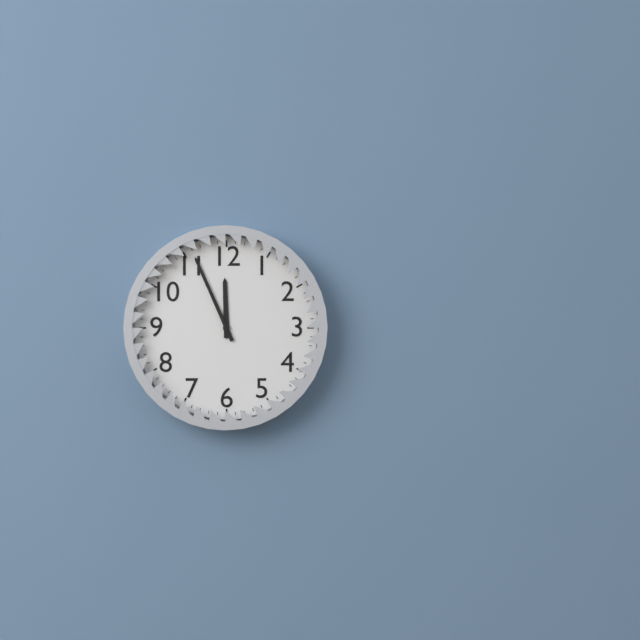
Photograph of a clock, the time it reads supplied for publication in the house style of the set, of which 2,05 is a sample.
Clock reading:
11,56
